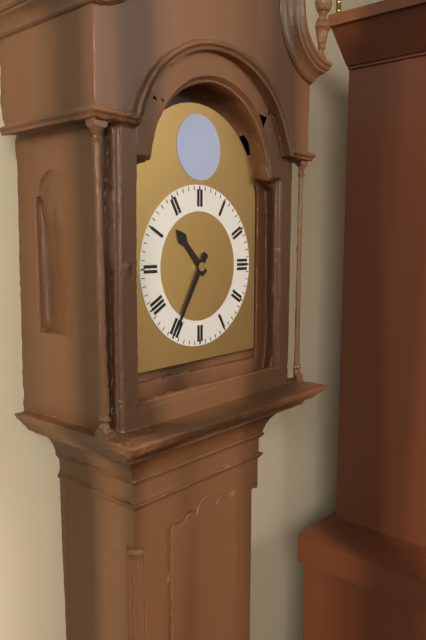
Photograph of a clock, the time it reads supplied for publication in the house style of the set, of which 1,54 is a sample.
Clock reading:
10,35
